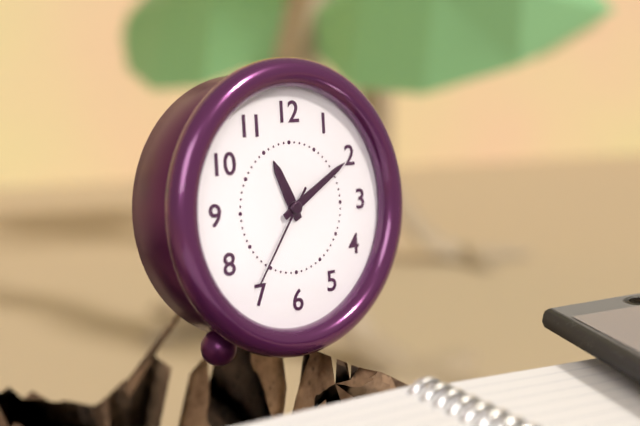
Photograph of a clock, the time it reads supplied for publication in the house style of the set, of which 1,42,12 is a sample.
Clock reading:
11,10,36
